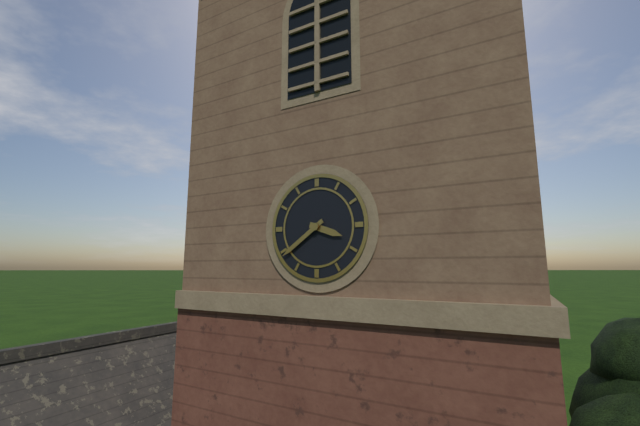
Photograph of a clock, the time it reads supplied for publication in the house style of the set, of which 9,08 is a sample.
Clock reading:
3,39
